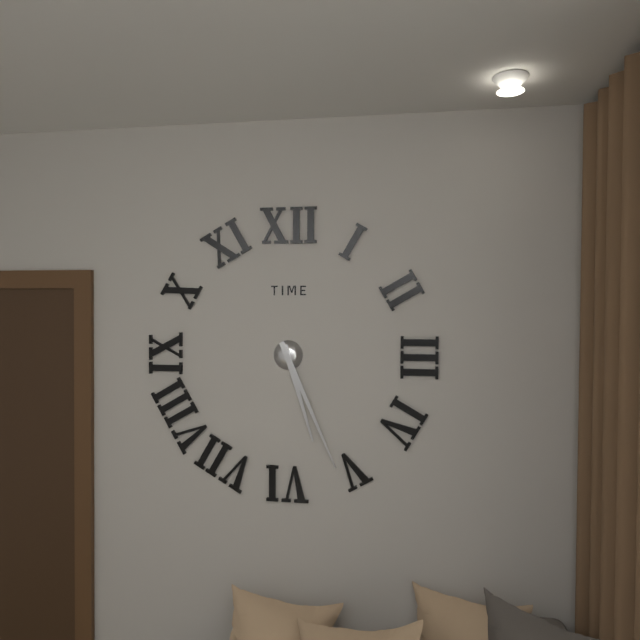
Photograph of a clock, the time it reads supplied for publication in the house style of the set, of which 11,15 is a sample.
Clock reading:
5,26
